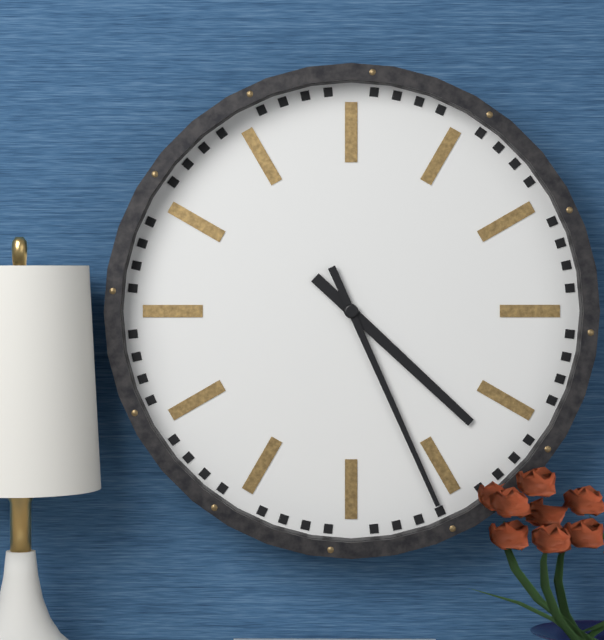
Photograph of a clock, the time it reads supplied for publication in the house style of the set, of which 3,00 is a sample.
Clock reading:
4,26
